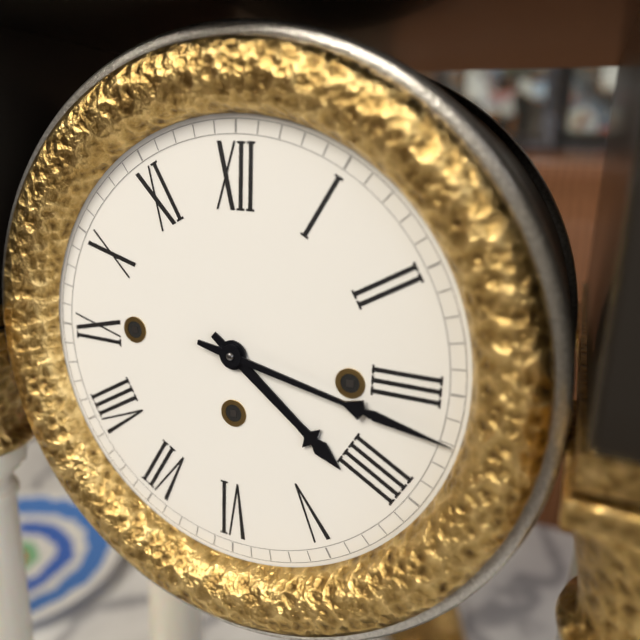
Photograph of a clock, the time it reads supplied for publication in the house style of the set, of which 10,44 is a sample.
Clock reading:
4,17
